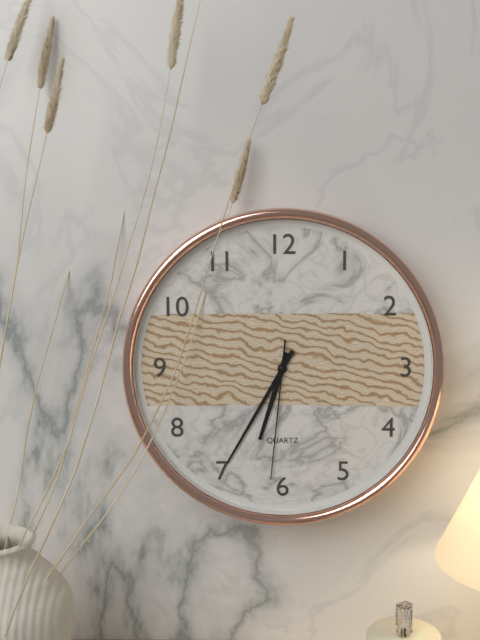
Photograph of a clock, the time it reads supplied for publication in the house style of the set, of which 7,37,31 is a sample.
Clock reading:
6,35,31
